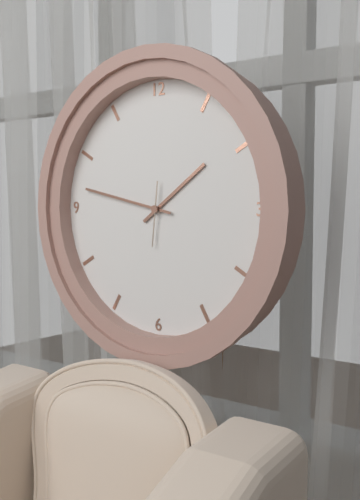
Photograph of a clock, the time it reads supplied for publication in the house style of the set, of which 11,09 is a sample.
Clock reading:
1,47
